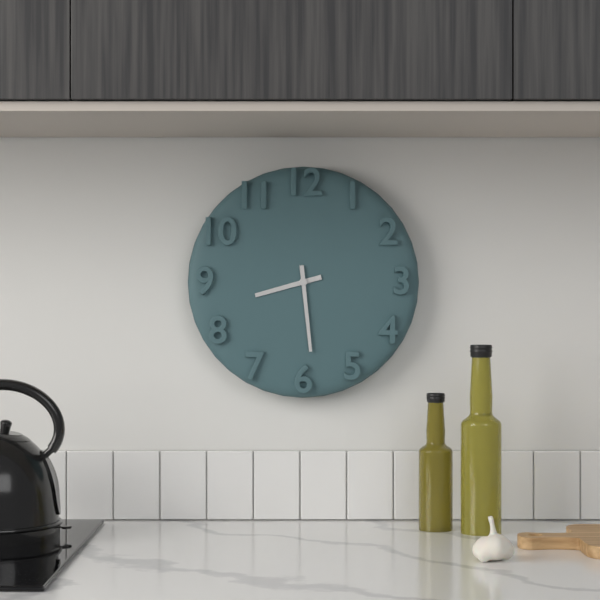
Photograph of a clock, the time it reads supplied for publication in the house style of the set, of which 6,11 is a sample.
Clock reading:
8,29
